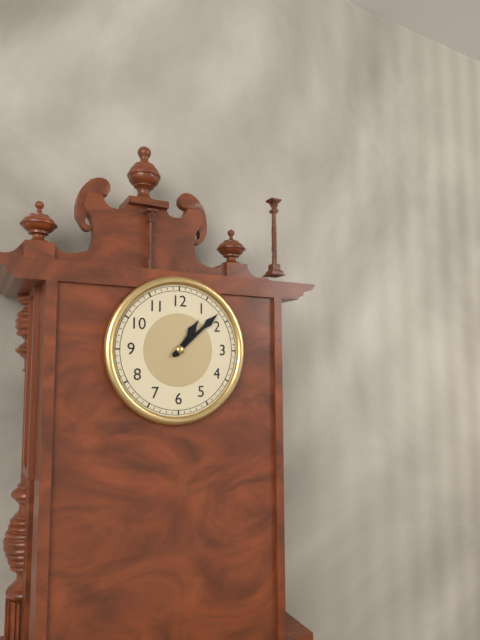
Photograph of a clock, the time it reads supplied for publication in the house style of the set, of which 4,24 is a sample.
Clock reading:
1,08
